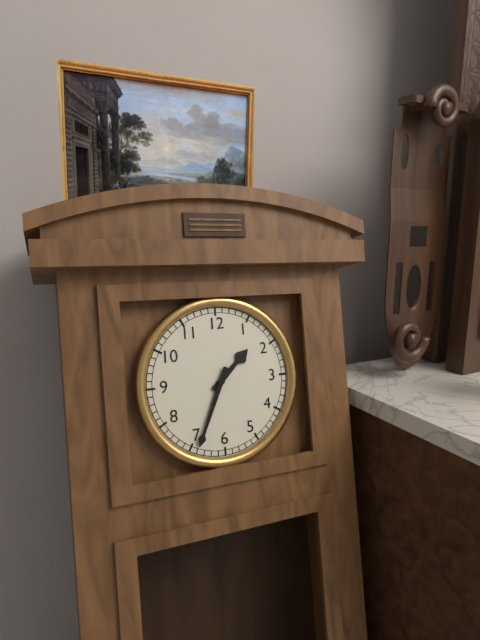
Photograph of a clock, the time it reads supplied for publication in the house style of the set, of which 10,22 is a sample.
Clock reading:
1,34
